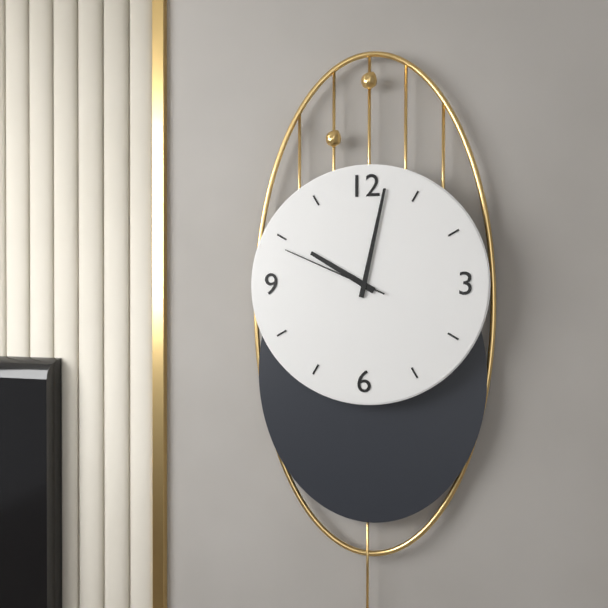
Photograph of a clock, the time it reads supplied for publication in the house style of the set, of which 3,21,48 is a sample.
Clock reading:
10,02,49
